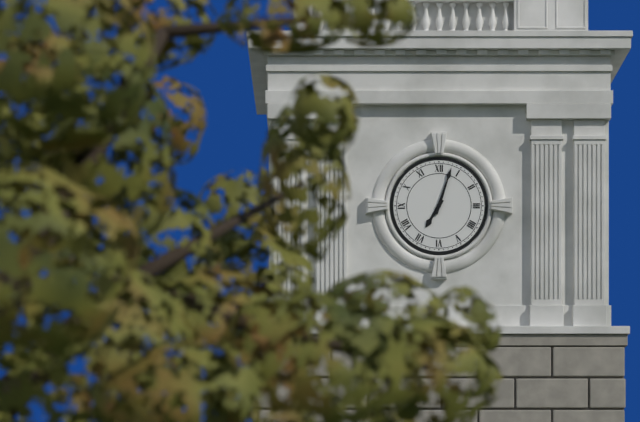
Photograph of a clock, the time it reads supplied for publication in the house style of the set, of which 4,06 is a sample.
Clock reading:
7,03
